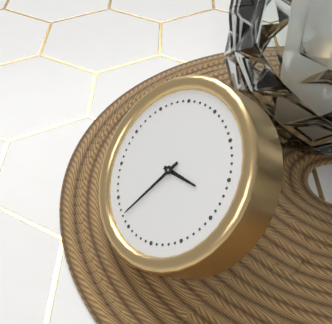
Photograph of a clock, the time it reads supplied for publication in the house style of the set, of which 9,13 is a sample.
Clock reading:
2,32
